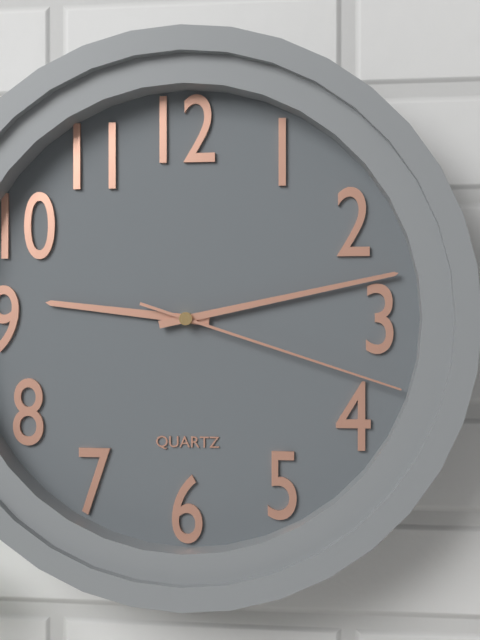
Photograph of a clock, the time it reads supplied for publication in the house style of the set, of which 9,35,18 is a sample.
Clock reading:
9,13,18
